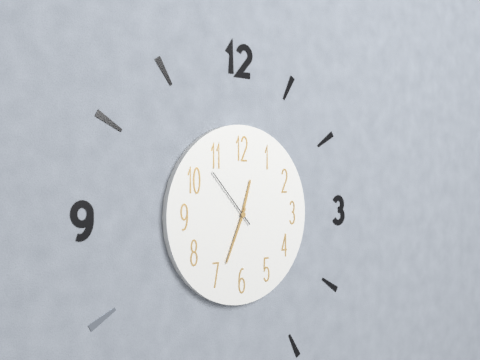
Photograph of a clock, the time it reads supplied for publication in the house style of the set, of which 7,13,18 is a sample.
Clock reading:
12,34,53
